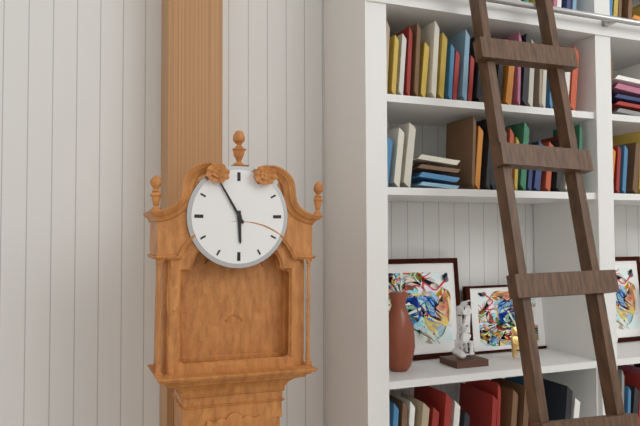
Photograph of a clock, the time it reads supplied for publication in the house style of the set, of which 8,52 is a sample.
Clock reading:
5,55
